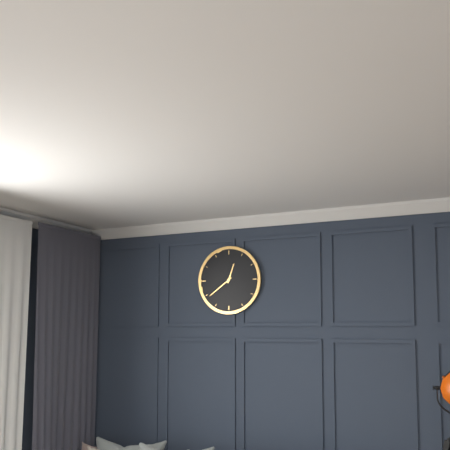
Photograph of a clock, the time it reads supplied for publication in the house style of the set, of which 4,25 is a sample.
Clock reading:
12,39
